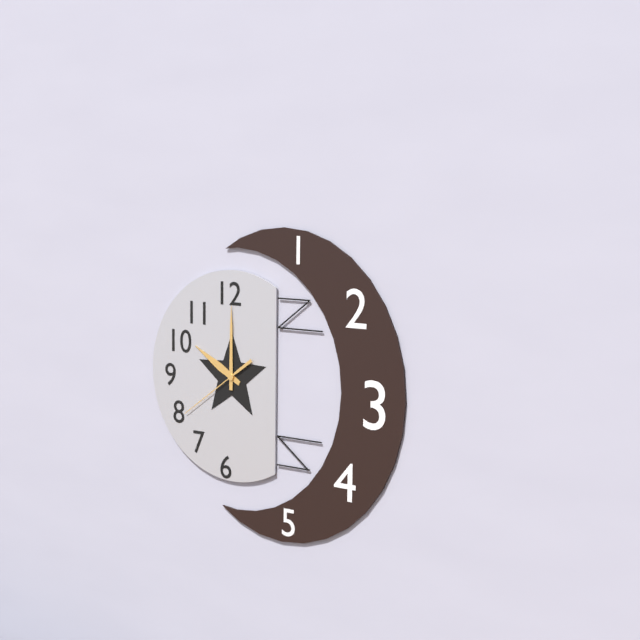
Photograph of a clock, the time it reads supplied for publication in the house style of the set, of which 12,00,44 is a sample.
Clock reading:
10,00,39
